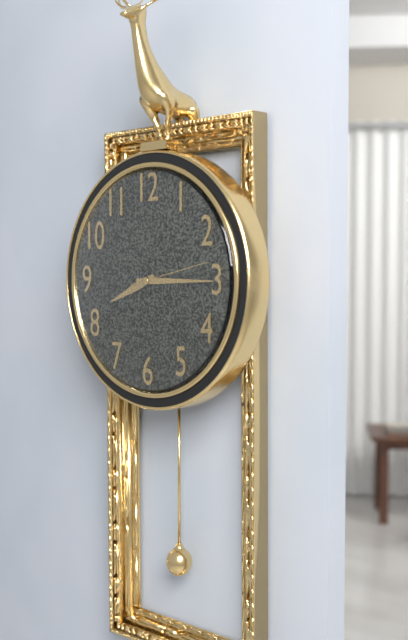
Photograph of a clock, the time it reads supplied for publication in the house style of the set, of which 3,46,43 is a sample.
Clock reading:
8,15,13
